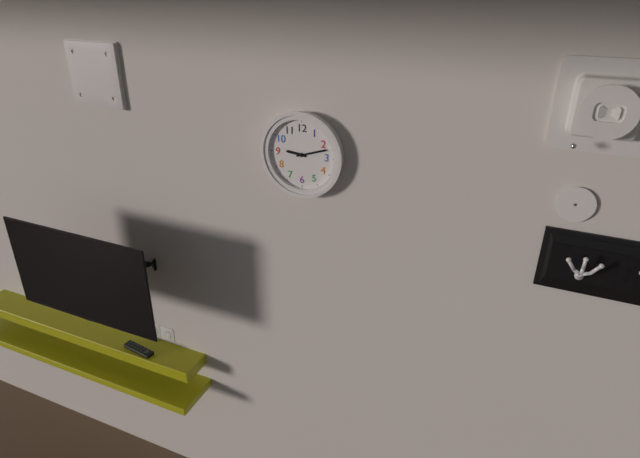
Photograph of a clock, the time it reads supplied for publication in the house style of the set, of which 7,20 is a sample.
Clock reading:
9,12
